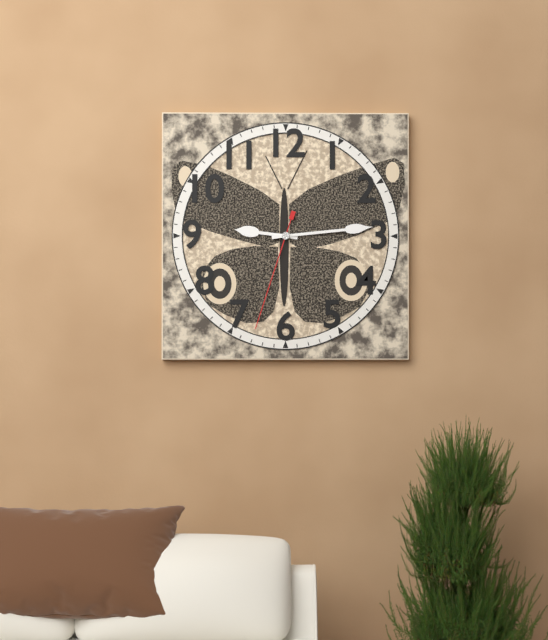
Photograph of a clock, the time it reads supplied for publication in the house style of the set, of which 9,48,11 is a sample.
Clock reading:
9,14,33
